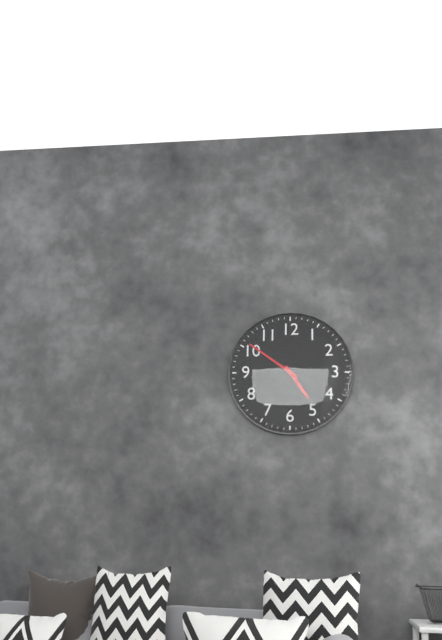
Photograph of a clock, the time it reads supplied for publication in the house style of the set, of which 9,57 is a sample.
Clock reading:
4,51
